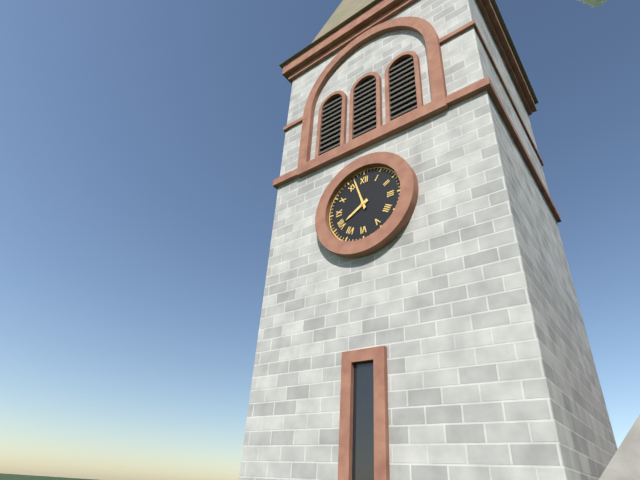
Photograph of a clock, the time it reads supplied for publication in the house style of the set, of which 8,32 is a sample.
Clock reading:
7,57
